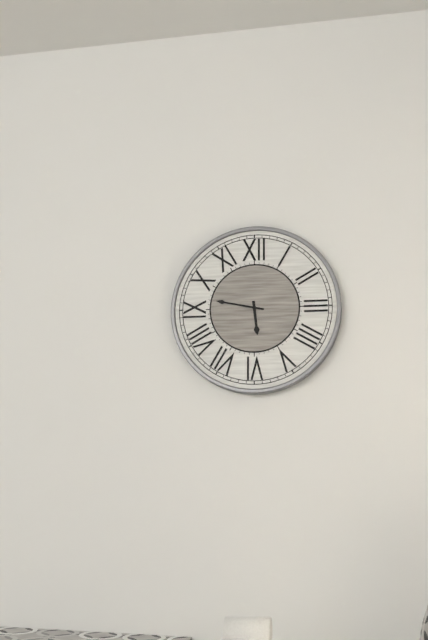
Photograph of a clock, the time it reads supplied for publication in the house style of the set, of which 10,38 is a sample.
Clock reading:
5,47
